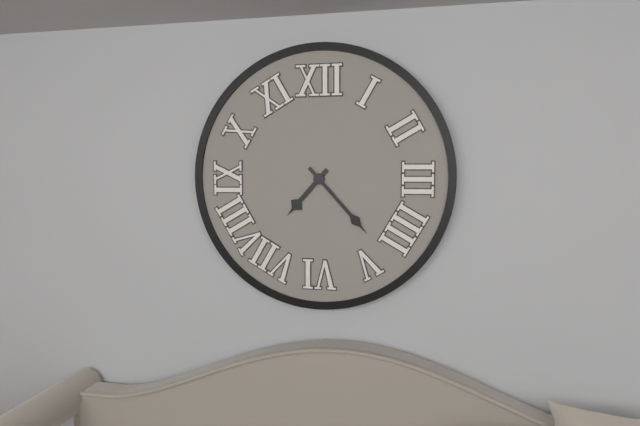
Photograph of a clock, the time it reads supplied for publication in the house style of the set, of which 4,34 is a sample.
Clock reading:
7,23
